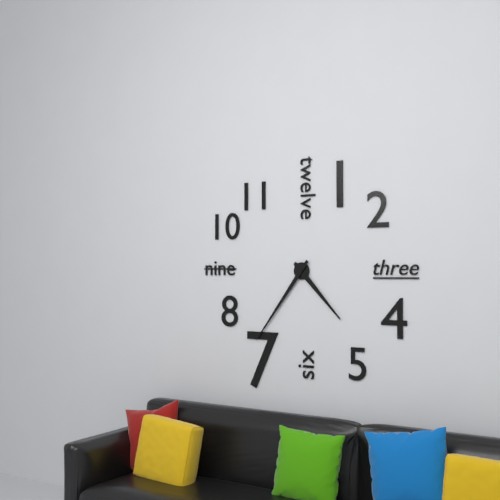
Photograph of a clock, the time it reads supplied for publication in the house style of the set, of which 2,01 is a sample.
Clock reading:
4,36
